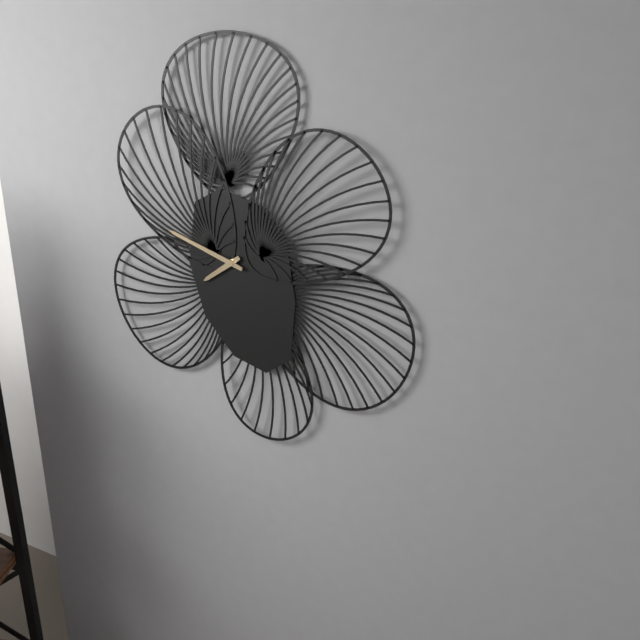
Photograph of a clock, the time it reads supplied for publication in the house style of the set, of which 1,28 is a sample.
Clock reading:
7,48
